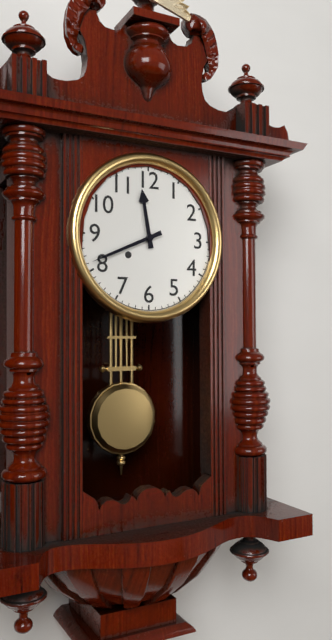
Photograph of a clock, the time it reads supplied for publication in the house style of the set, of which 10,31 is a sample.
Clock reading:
11,41
